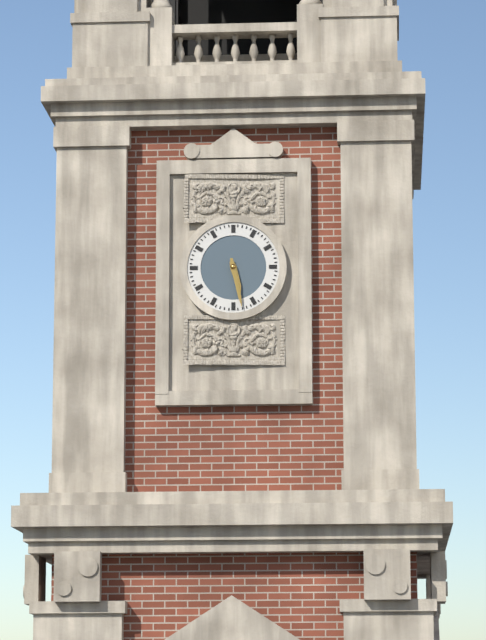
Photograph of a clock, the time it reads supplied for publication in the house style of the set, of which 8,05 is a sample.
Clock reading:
5,28
